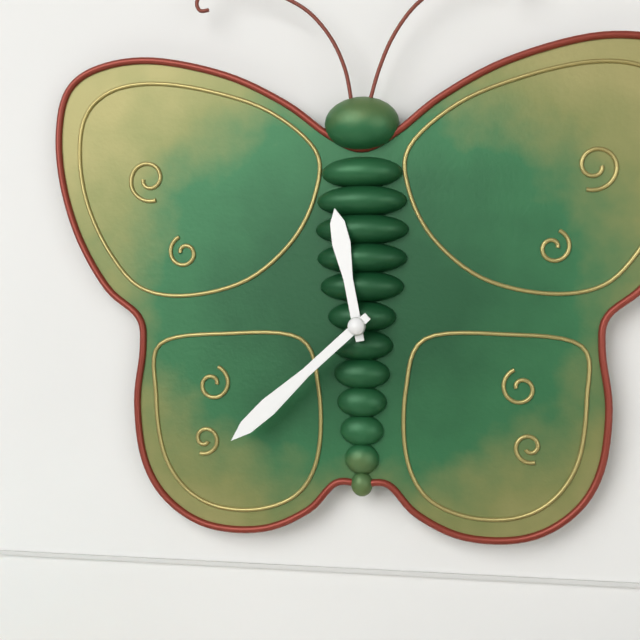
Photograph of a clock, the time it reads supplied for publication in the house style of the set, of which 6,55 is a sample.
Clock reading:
11,38
